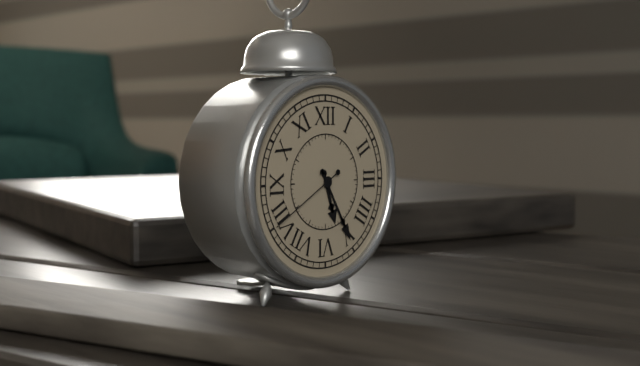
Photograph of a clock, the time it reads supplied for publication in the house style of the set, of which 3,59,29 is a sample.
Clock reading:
5,25,40
